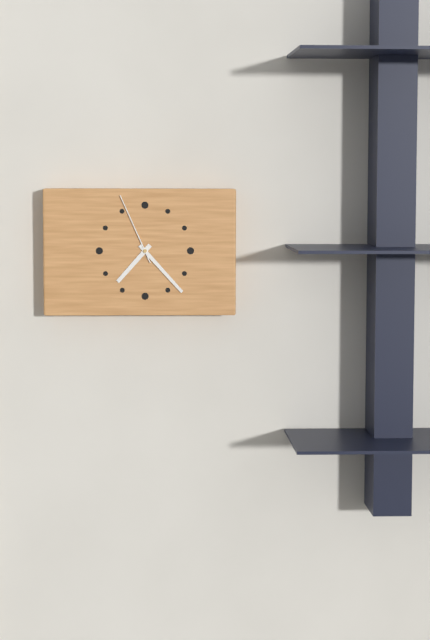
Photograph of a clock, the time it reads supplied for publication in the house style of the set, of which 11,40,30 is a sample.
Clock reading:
7,23,56
